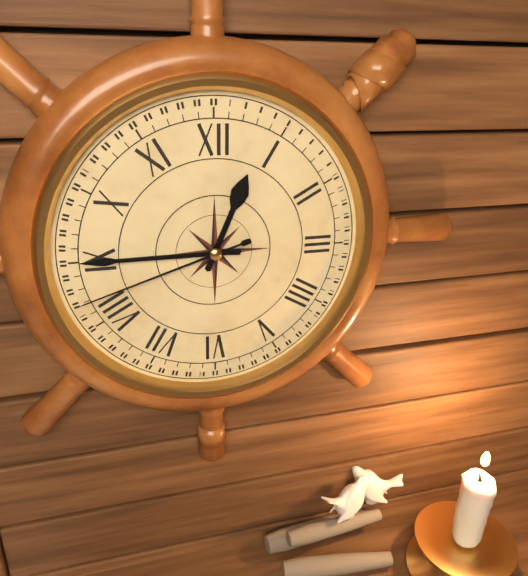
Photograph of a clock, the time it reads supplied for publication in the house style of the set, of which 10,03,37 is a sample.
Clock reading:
12,45,42
